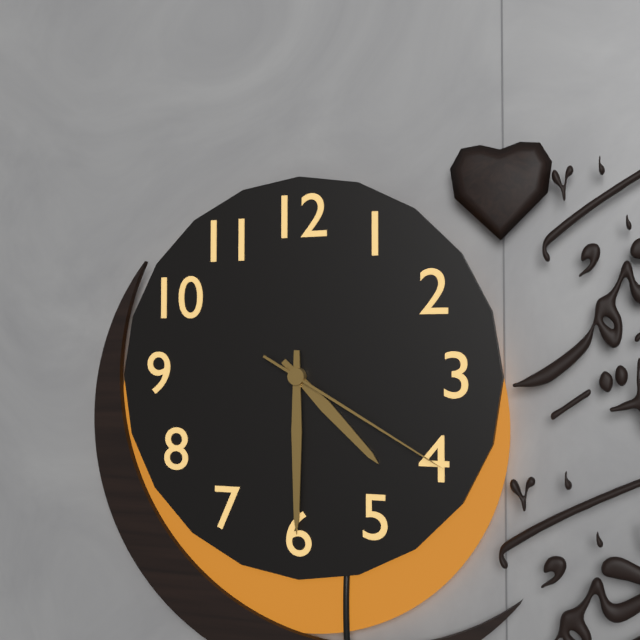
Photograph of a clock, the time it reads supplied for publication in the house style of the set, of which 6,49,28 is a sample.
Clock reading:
4,30,20
